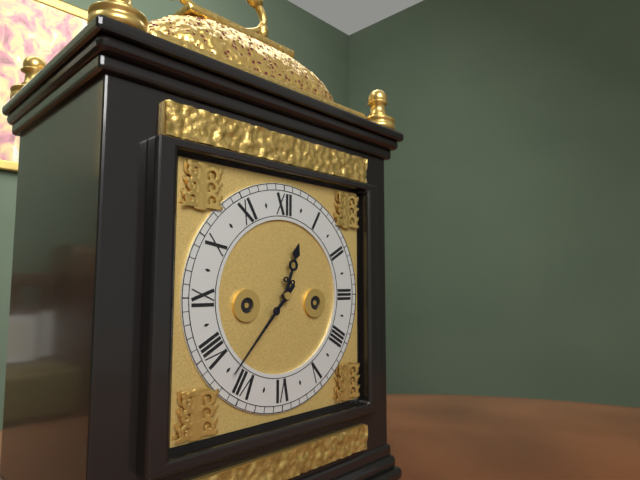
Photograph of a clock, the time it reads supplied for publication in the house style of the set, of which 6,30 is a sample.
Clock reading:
12,37
